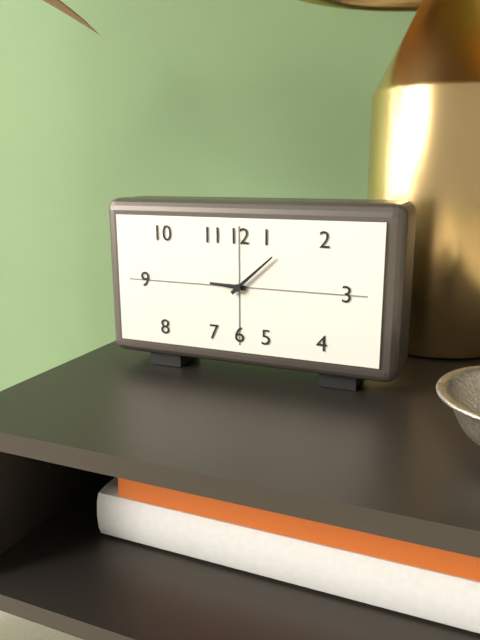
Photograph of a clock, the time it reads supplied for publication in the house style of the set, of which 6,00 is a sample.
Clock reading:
9,08
